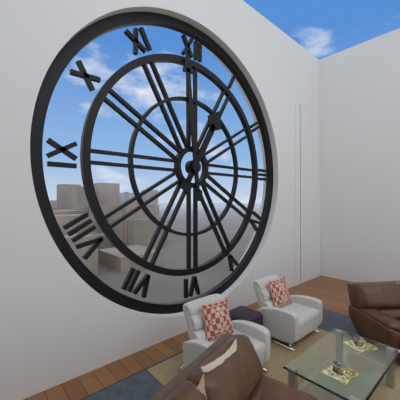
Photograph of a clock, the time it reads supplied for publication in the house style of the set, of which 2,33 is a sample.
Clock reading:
12,59
